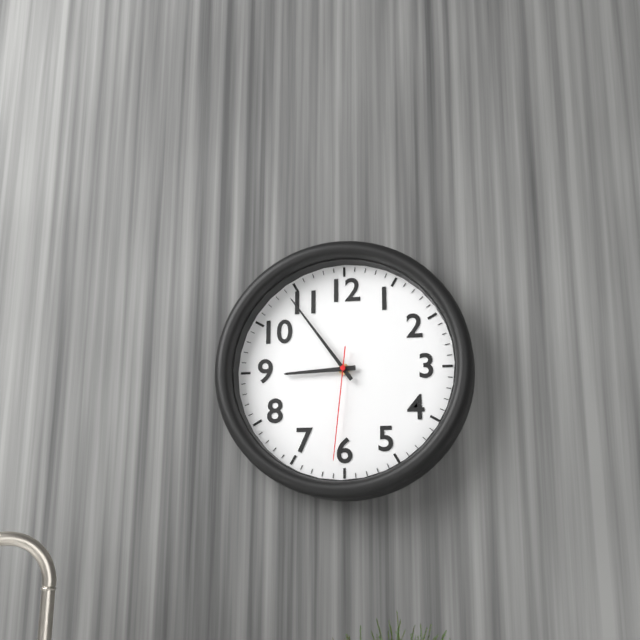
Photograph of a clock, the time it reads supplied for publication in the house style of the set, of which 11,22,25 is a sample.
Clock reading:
8,54,31
